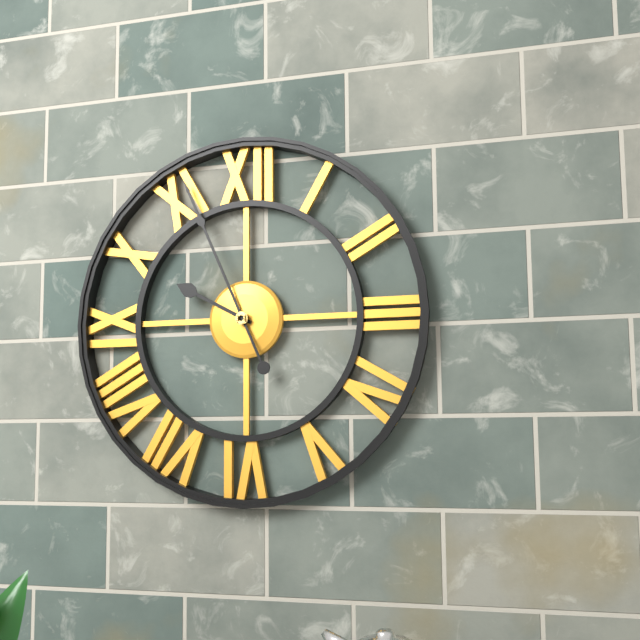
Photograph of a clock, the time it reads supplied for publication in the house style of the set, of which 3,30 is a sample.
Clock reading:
9,56
